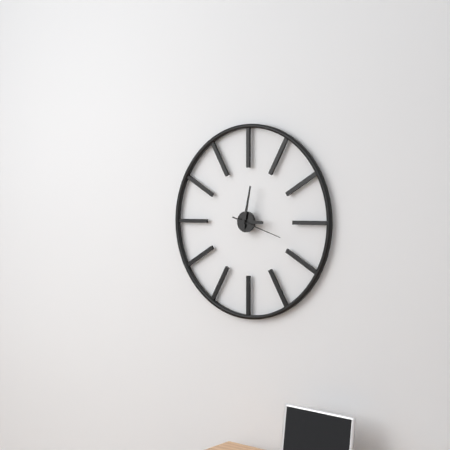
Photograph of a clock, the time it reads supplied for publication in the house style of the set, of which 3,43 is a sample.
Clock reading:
3,02
